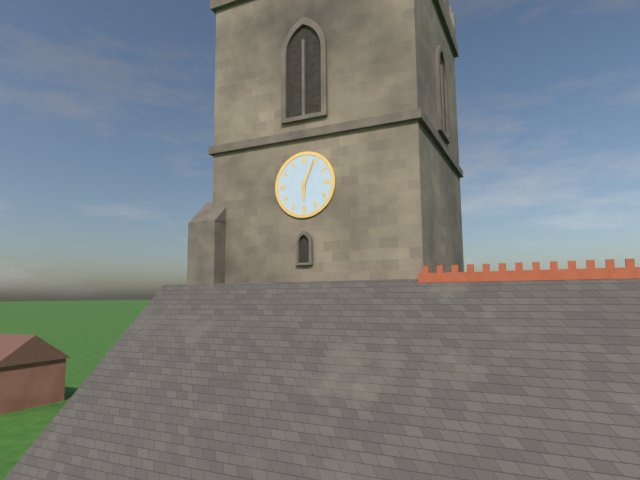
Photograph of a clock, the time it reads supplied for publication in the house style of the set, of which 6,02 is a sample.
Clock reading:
6,04
